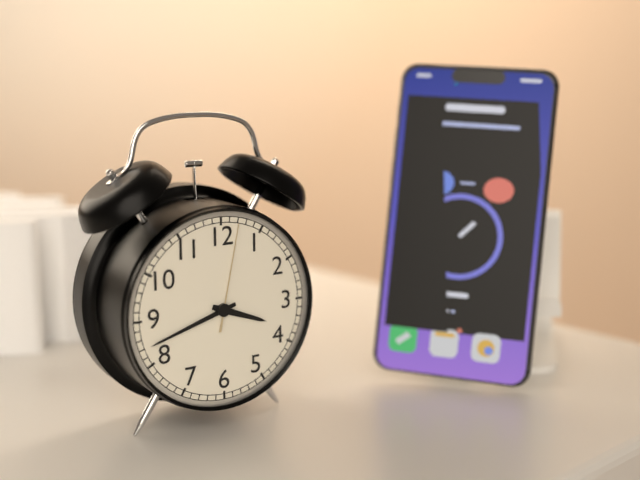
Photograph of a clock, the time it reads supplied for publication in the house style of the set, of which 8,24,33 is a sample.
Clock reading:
3,42,02
